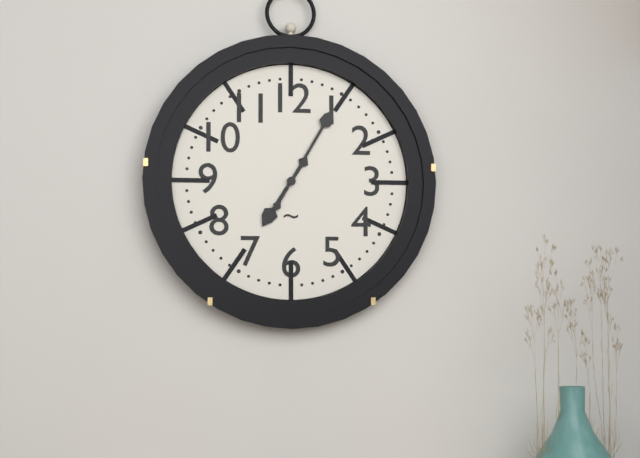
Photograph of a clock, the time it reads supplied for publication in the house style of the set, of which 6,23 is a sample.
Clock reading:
7,05
